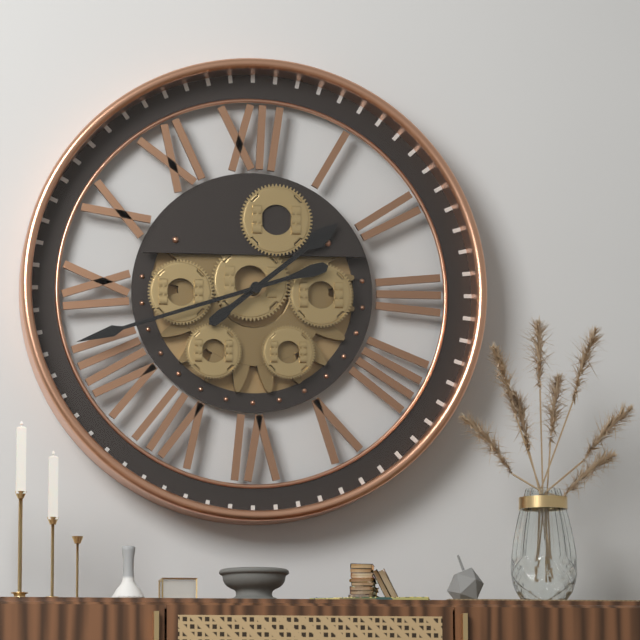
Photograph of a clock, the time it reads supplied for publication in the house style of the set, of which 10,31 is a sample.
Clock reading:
1,42
